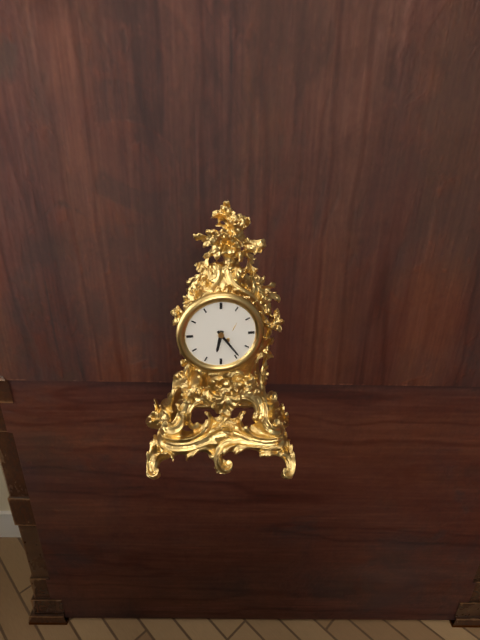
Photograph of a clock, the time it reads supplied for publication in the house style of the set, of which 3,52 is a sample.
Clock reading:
6,24
